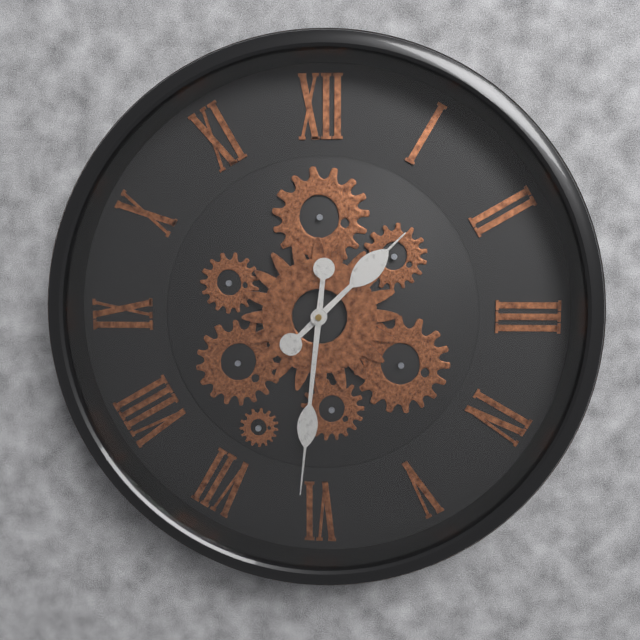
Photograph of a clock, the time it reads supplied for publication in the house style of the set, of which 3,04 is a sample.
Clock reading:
1,31
